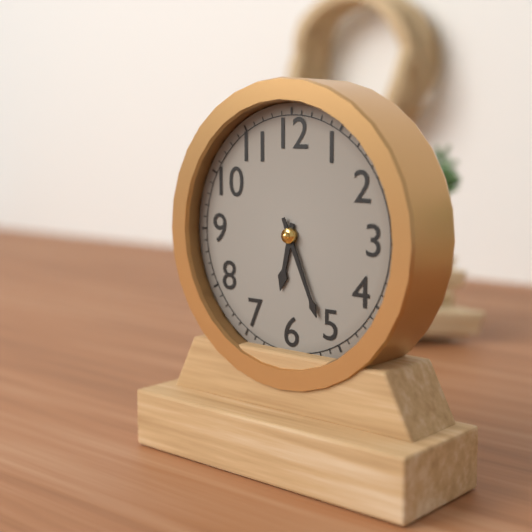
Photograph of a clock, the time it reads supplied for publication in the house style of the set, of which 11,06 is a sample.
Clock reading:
6,26
